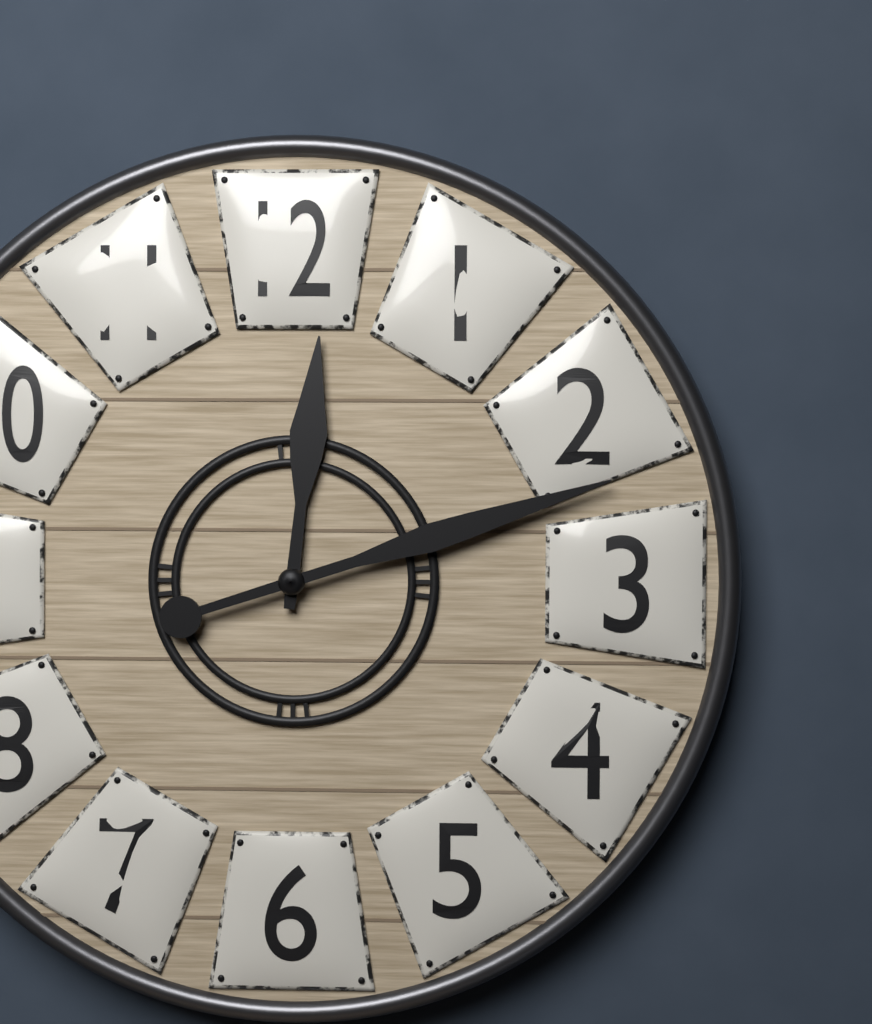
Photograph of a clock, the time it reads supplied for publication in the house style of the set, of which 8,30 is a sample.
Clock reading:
12,12
